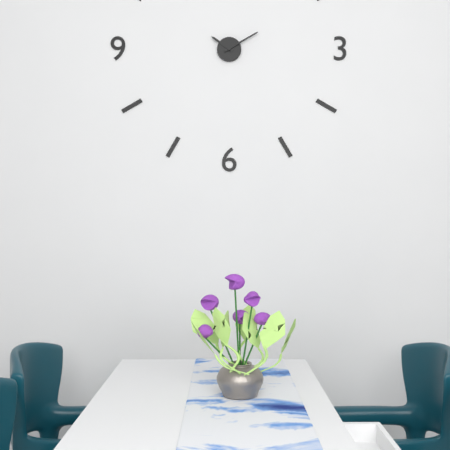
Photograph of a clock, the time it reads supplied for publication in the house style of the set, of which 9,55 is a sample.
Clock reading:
10,10
